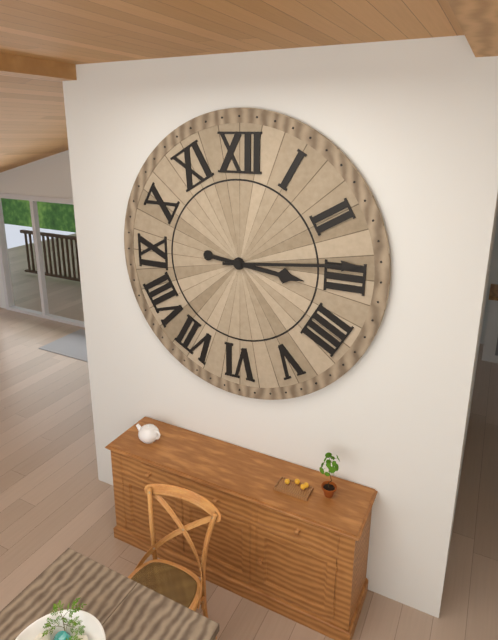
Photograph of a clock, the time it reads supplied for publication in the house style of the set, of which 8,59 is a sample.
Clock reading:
3,14
